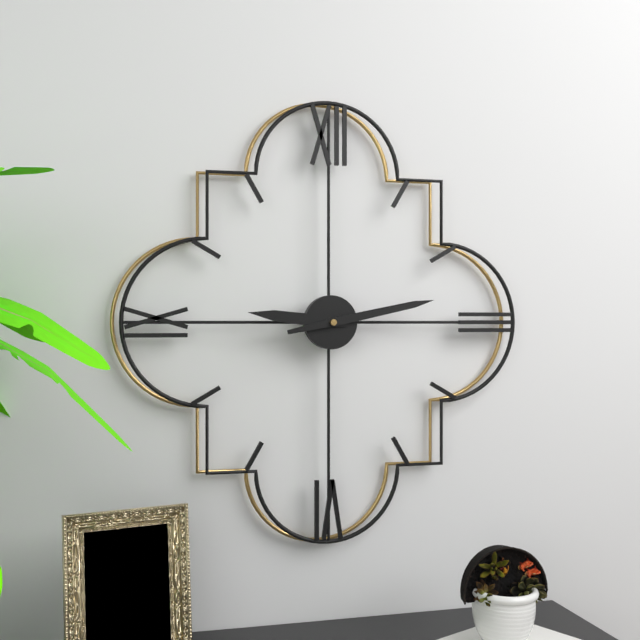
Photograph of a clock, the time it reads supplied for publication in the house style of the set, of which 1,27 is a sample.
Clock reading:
9,13
